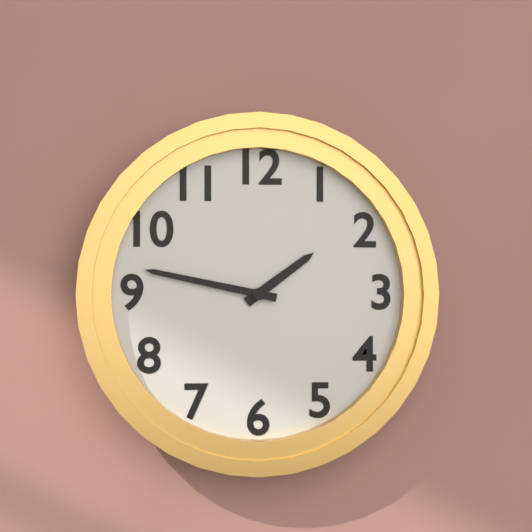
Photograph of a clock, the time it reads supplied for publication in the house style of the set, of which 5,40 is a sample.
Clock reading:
1,47
